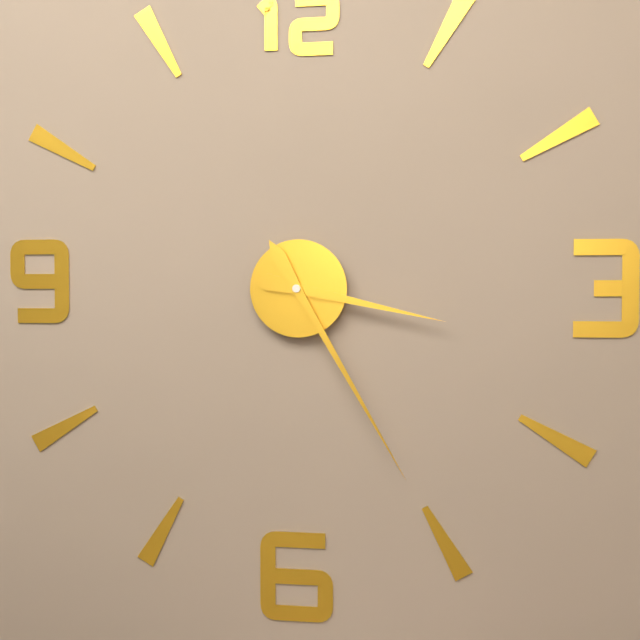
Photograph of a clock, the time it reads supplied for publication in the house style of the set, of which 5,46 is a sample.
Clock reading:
3,25
